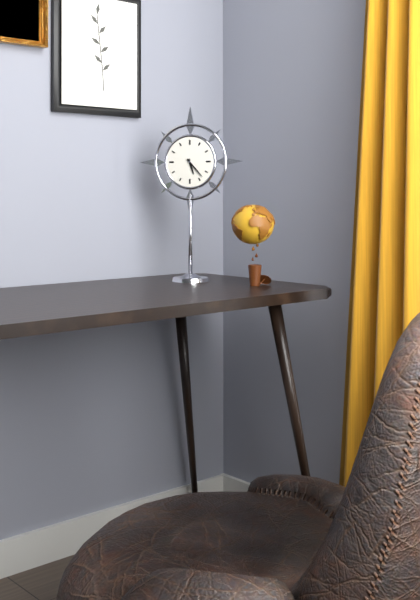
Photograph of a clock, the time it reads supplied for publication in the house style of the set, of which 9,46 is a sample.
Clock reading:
5,23
